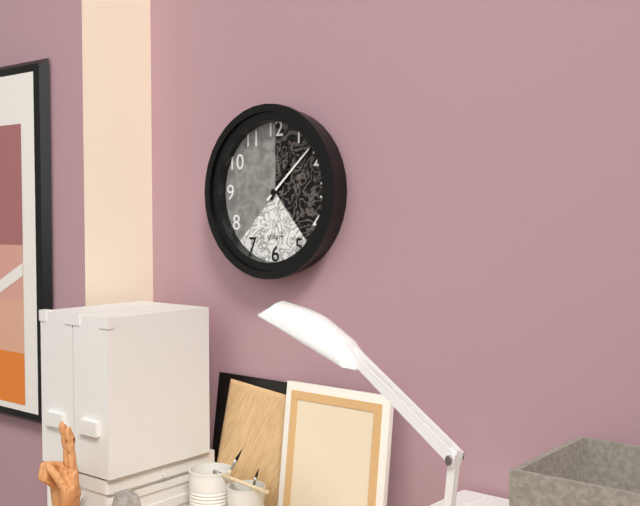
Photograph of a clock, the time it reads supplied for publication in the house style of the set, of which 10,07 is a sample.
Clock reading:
1,08
